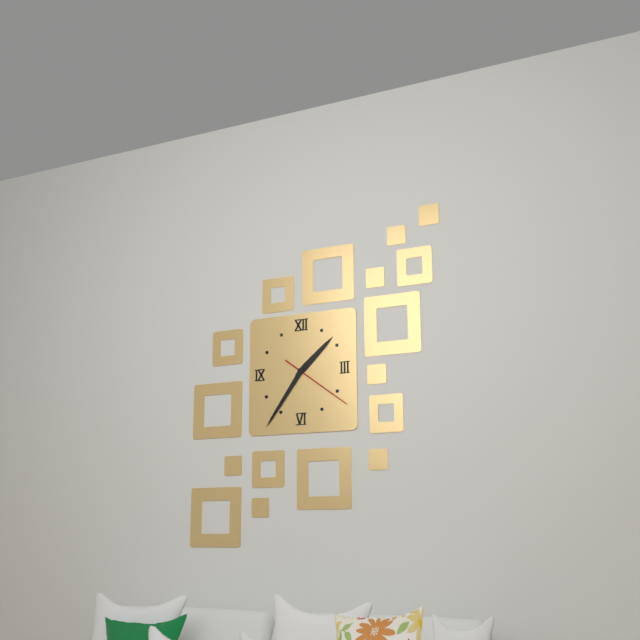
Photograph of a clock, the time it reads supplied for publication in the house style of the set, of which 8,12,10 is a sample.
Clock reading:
1,36,21
